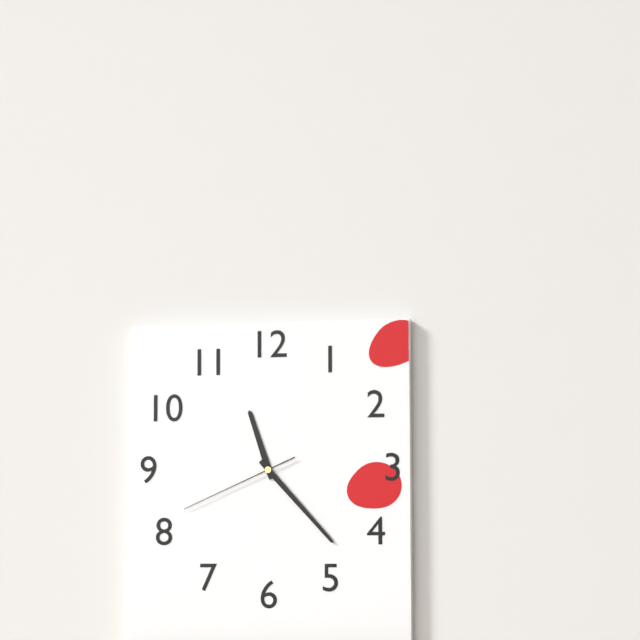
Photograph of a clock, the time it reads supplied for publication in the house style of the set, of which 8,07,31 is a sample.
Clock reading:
11,23,41
